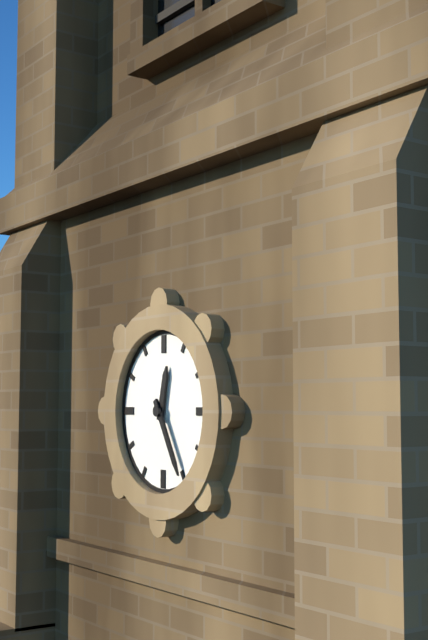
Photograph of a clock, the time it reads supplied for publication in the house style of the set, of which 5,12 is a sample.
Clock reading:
12,25
